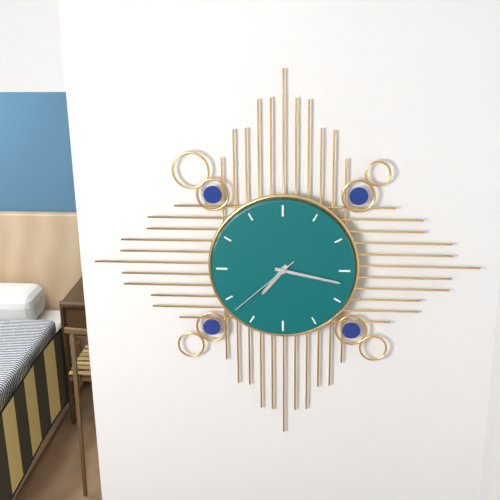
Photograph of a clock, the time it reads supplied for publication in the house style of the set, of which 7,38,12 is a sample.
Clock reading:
7,17,38
